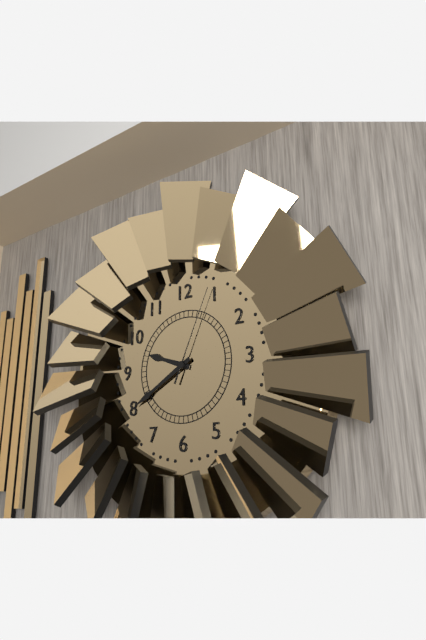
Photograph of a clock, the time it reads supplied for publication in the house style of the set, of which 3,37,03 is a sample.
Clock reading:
9,40,04
